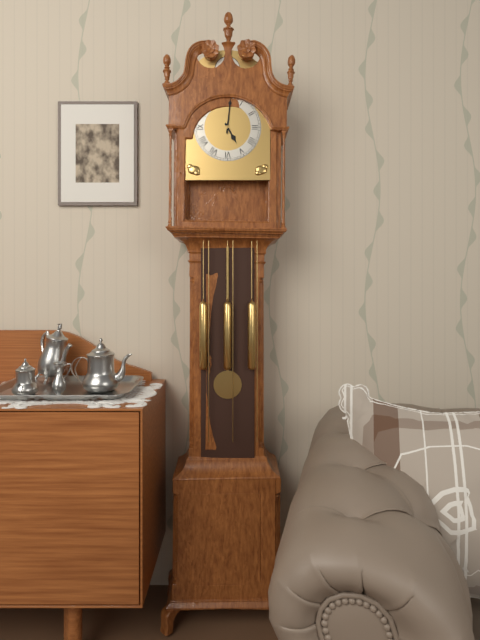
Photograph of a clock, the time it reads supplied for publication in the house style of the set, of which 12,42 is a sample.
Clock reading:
5,01
